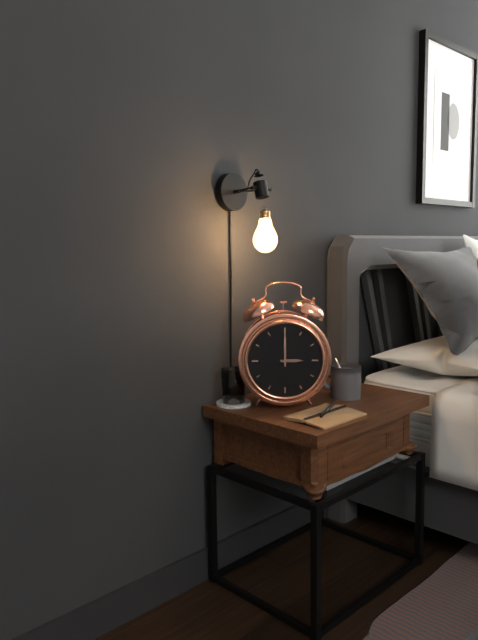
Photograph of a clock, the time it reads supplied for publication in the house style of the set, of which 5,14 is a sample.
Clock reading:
3,00
